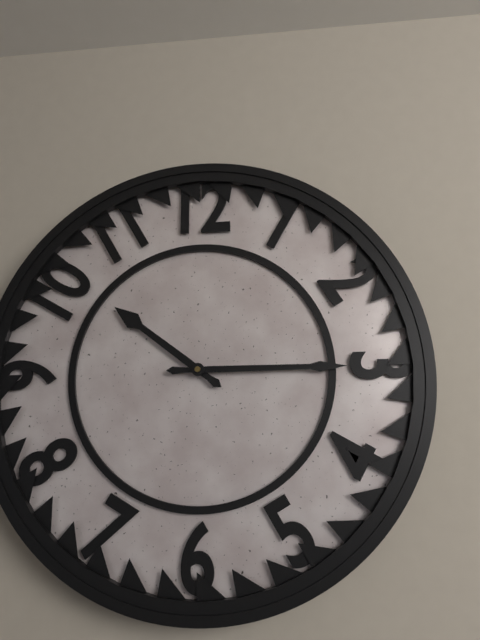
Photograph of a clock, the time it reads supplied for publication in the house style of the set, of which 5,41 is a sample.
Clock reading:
10,15
